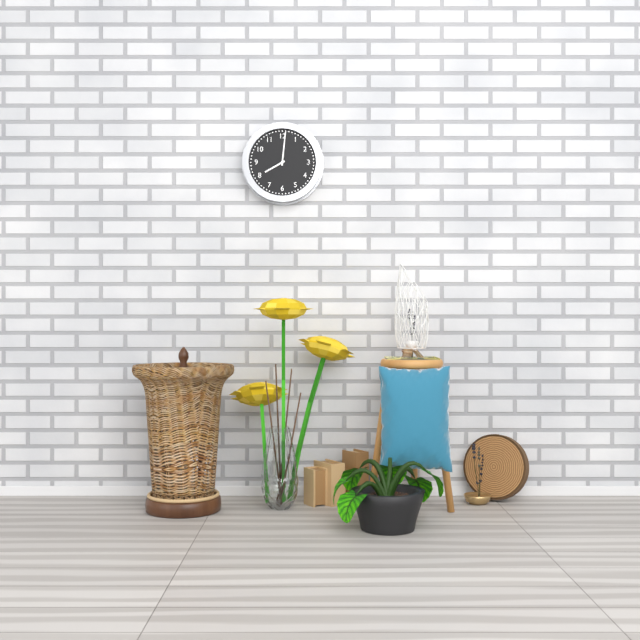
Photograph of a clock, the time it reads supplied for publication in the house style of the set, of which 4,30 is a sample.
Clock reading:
8,01
